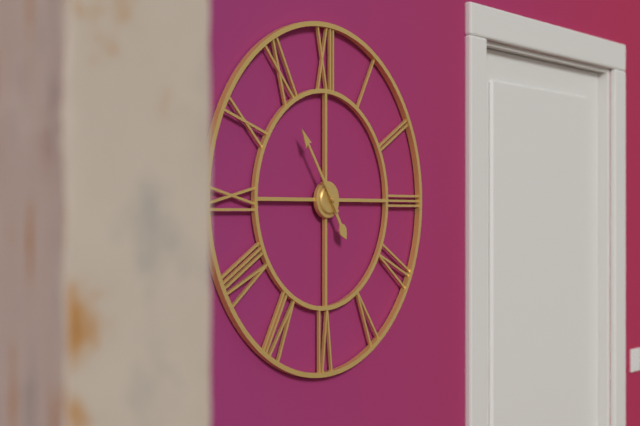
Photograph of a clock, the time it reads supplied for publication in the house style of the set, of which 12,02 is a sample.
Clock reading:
4,54
